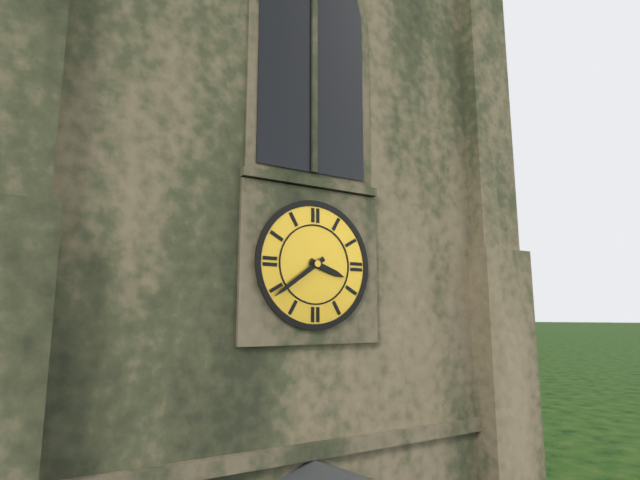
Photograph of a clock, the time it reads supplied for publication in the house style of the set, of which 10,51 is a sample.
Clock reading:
3,39
